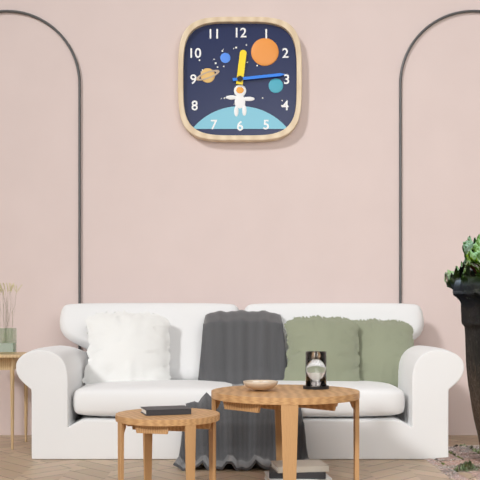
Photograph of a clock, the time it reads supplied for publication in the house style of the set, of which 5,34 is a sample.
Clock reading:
12,14
